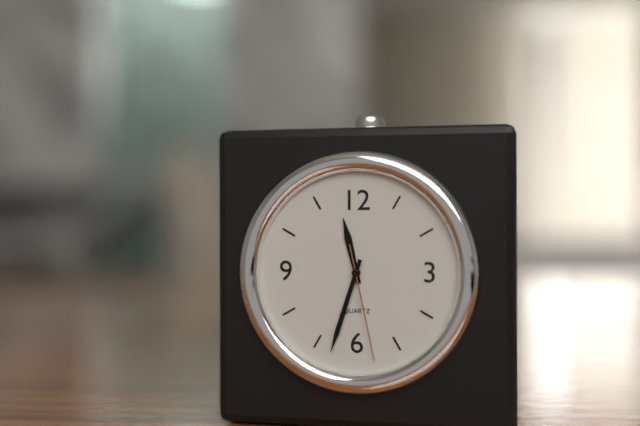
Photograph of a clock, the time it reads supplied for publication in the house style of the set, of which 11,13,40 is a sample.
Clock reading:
11,33,28
